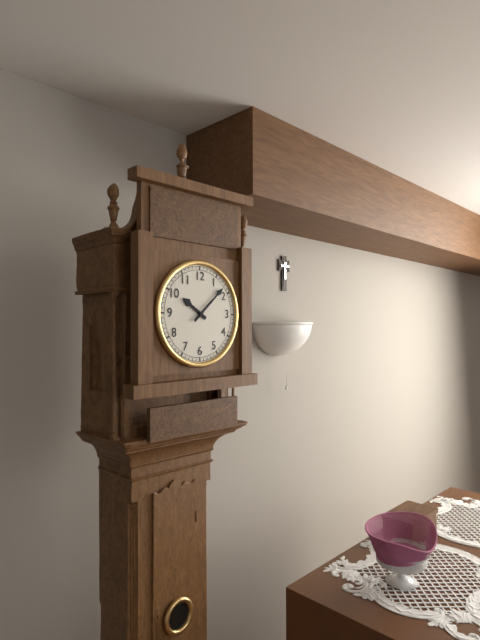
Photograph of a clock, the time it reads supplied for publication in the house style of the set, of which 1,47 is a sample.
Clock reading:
10,08
